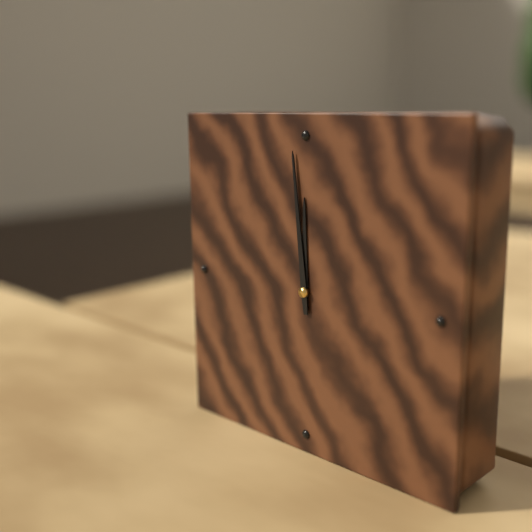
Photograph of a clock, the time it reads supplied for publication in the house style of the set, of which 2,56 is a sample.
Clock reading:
11,59
